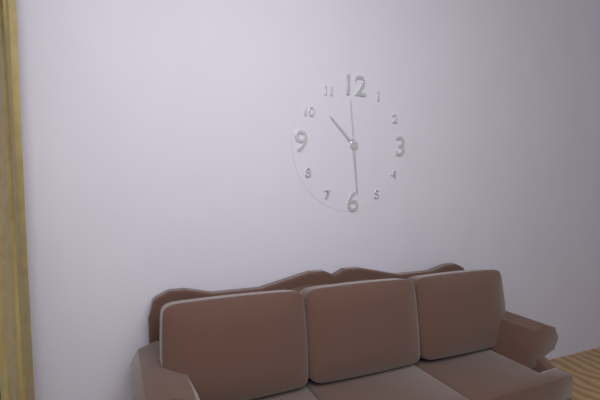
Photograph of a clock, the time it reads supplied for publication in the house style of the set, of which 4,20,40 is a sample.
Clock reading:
10,29,59
